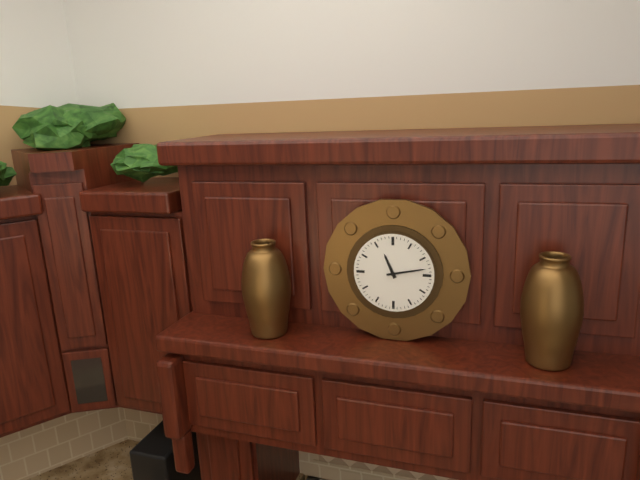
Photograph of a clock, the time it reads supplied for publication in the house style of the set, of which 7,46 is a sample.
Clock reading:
11,13
